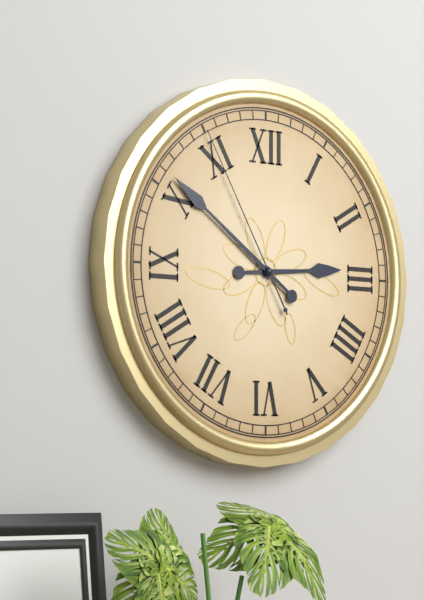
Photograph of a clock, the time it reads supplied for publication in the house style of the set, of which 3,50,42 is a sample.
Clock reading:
2,51,55
